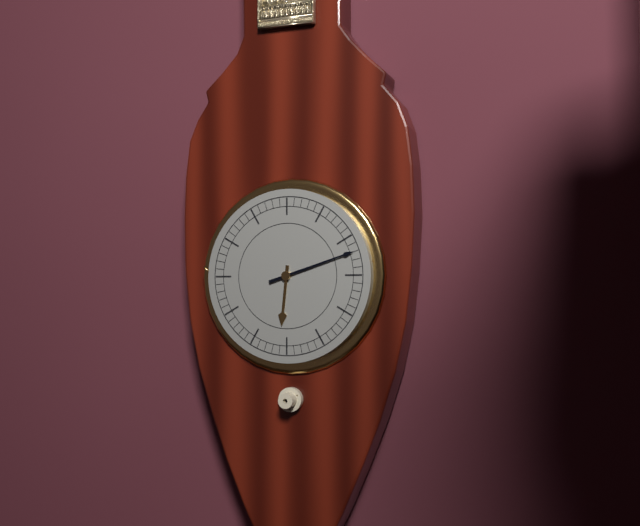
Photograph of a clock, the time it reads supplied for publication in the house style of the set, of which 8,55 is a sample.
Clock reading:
6,12
